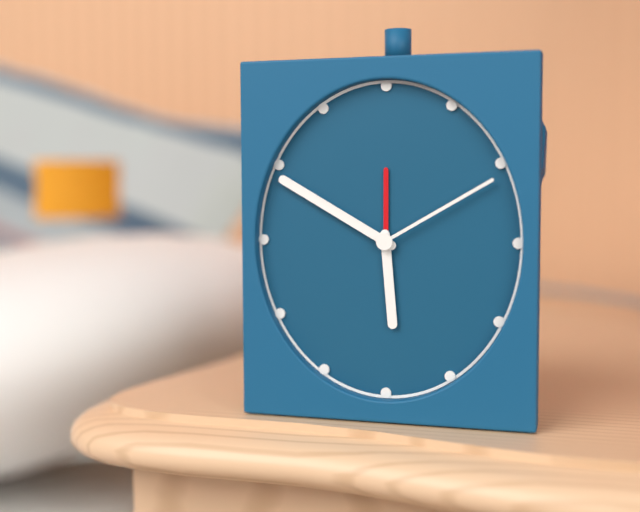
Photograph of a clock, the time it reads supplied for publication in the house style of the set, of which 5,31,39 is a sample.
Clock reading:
5,50,10
